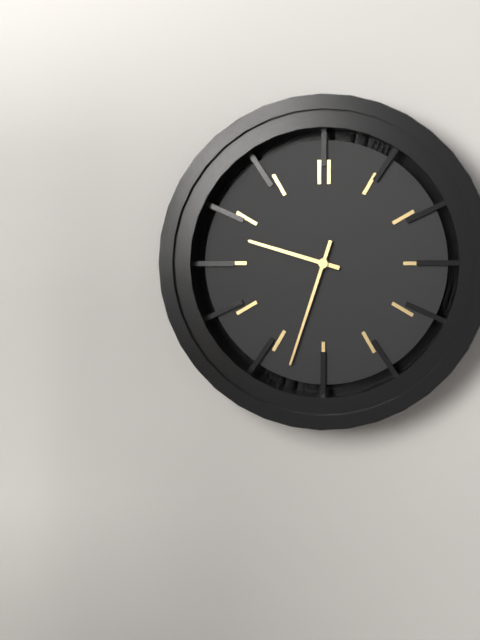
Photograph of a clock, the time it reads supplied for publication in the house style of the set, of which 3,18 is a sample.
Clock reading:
9,33
